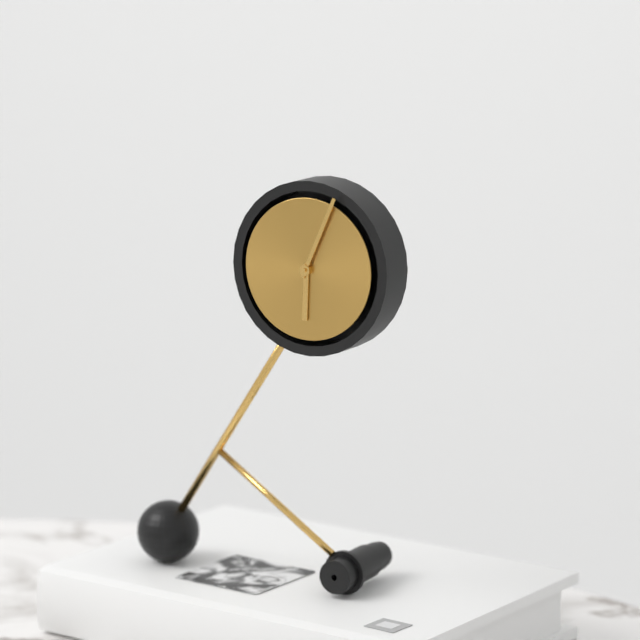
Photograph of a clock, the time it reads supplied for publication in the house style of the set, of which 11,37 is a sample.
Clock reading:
6,04
